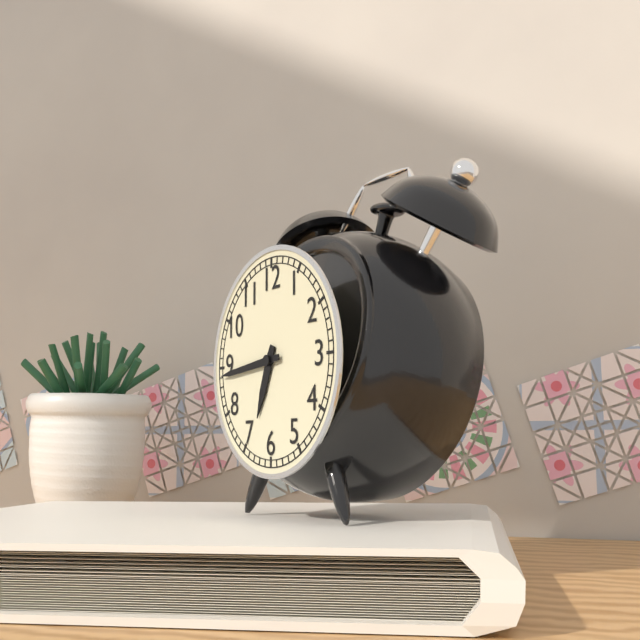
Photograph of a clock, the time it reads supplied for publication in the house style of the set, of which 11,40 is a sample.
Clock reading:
6,44
